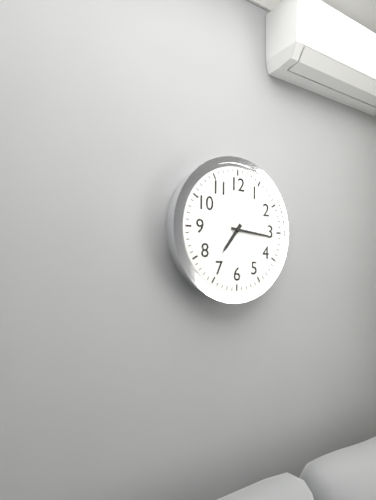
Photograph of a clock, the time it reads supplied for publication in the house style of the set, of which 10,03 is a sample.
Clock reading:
7,16
